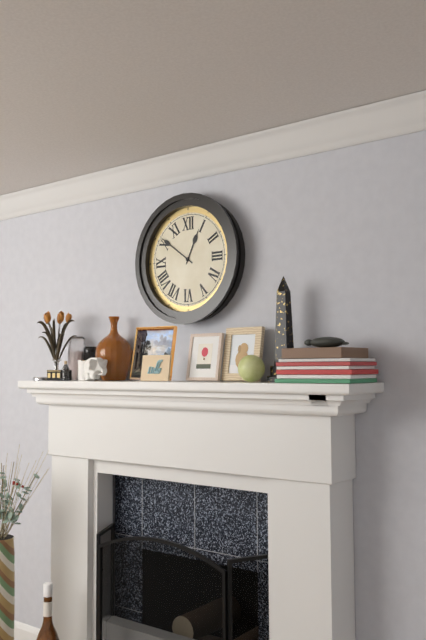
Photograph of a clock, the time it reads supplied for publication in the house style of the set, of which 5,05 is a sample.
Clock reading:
12,51
